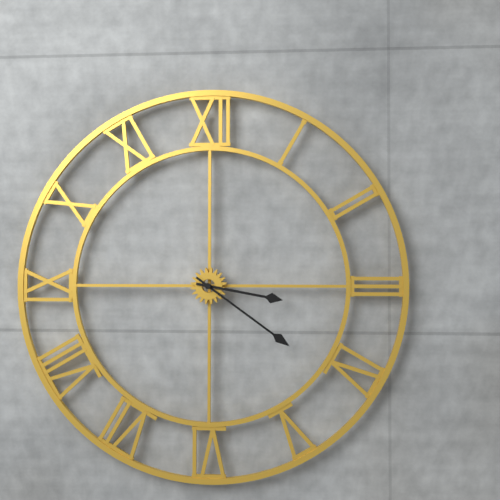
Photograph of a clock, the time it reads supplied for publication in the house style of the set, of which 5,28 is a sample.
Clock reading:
3,21
